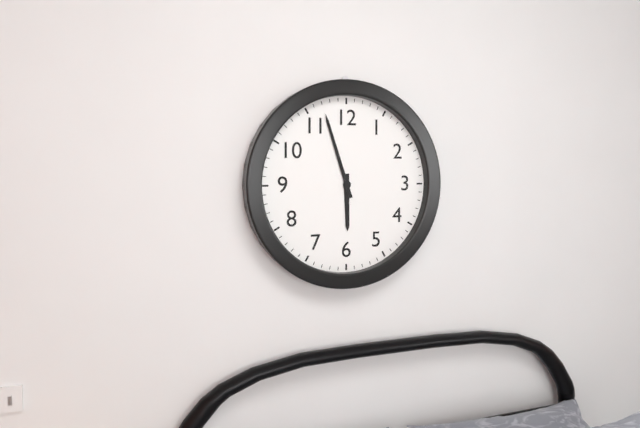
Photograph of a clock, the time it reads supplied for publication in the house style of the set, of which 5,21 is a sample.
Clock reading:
5,57
